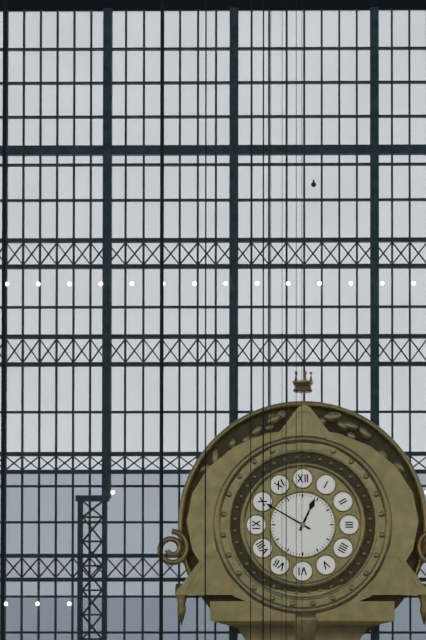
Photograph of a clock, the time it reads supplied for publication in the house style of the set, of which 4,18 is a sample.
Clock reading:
12,50
